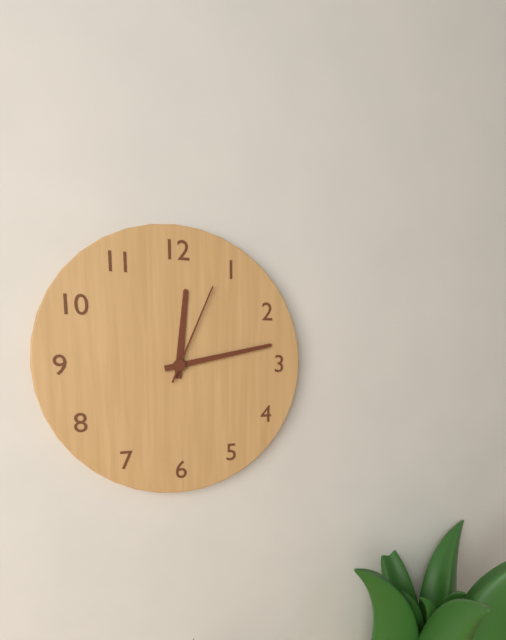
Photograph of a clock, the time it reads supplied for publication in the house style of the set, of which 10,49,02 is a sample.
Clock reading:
12,13,04
